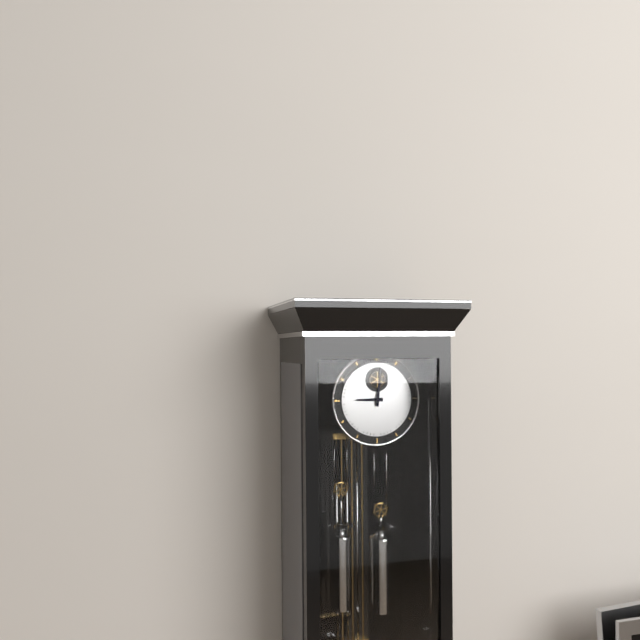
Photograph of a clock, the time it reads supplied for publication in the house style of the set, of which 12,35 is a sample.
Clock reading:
9,01
